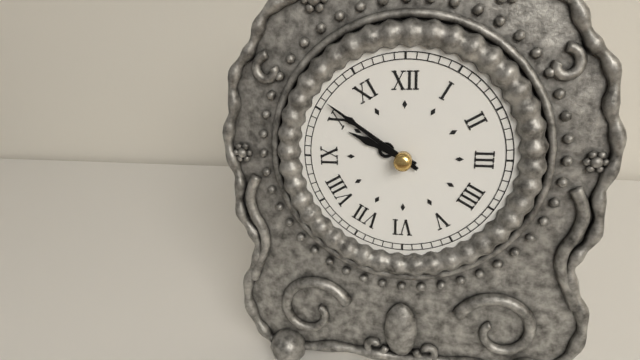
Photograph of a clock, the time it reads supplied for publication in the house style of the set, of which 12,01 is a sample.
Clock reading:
9,51
